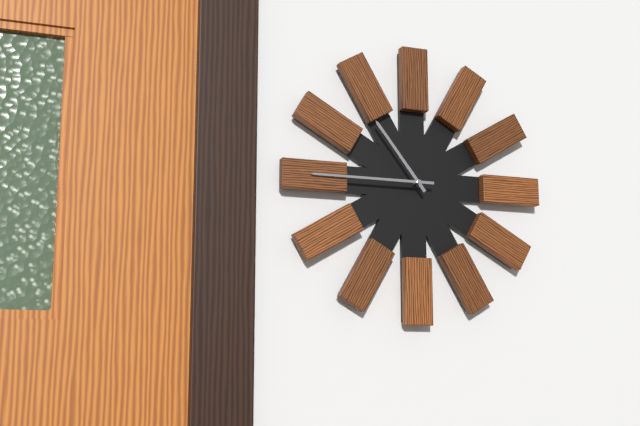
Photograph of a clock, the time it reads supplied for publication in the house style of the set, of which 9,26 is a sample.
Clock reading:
10,45
